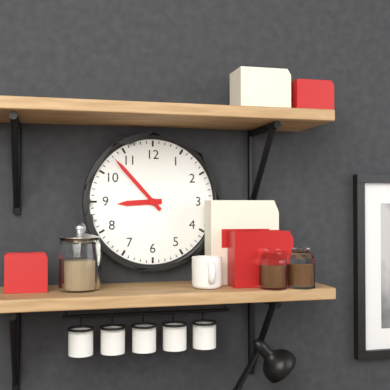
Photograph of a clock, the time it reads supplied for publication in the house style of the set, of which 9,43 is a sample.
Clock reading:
8,53
